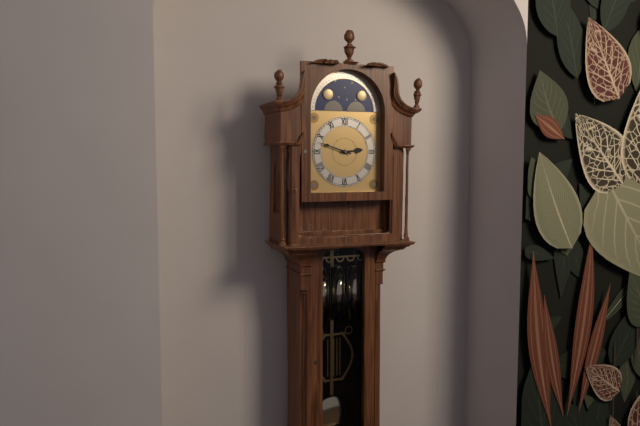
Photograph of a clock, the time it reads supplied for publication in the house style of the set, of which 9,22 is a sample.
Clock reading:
2,48
